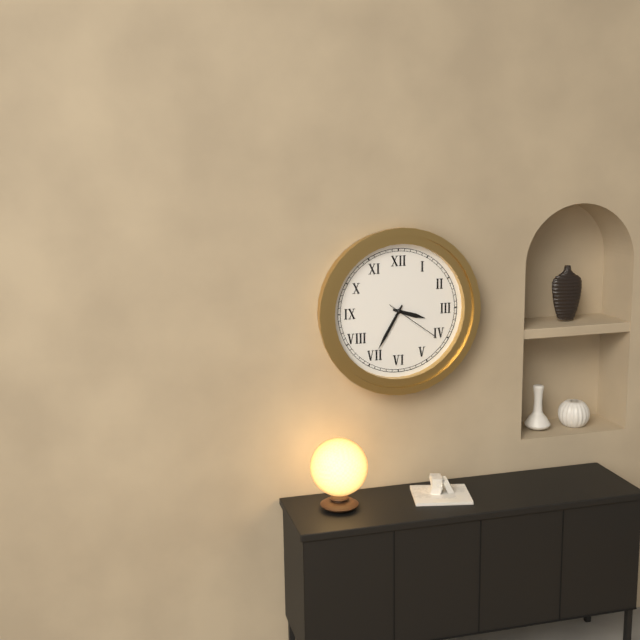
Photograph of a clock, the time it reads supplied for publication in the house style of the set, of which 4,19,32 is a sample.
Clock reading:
3,35,21
